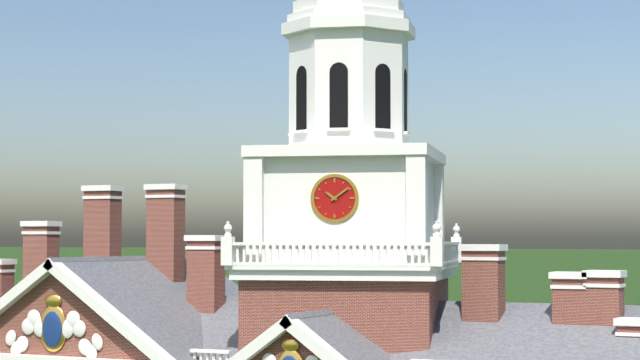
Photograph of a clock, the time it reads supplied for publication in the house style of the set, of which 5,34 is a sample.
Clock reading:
10,09
